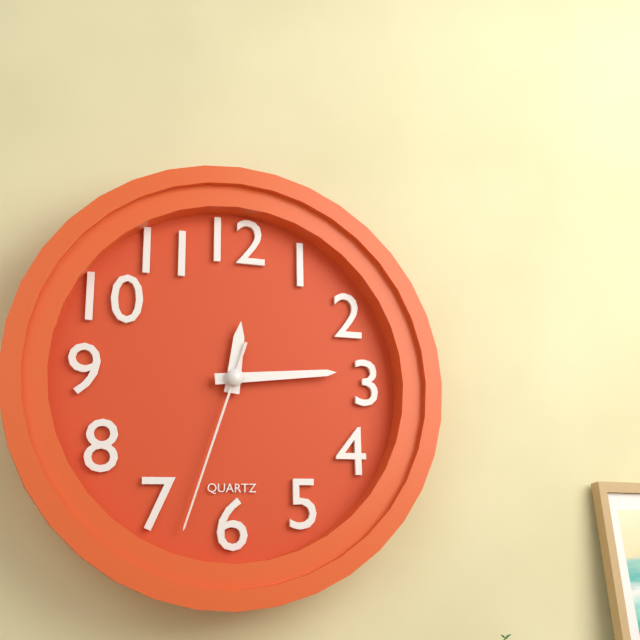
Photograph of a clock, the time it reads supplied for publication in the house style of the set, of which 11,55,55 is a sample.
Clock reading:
12,14,33
